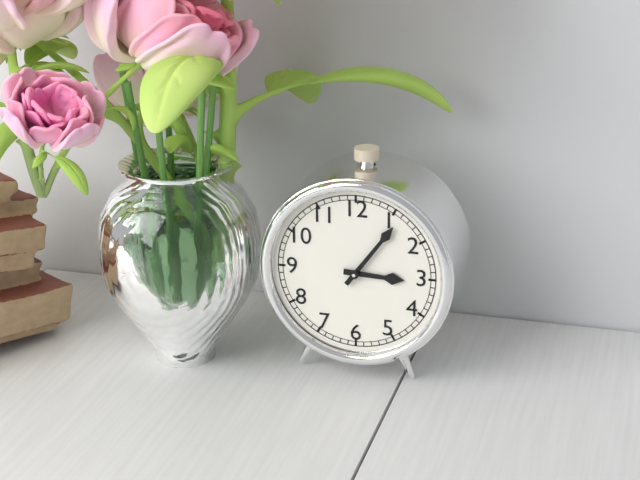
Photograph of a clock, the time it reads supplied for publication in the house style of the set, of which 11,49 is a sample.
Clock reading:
3,06
